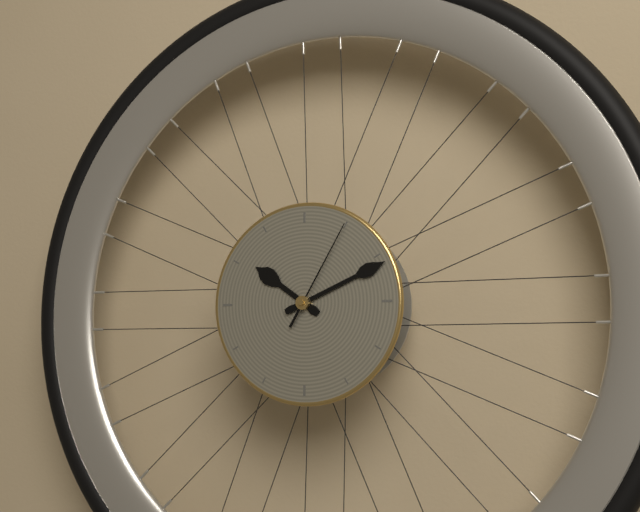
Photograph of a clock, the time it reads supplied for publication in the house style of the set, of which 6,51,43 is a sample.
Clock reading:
10,11,05
